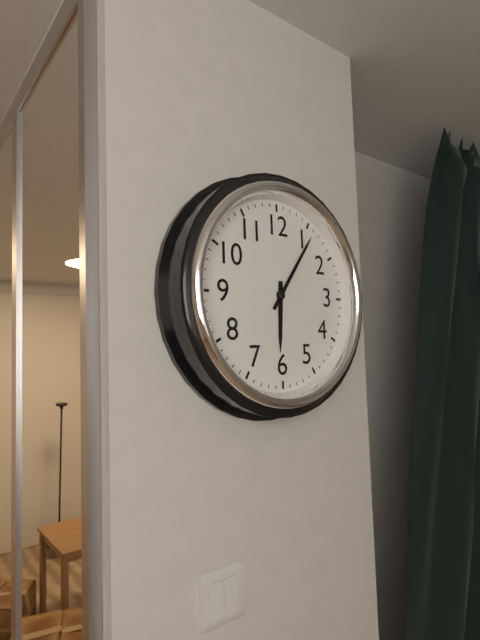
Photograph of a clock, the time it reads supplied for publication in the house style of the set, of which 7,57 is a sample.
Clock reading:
6,06
